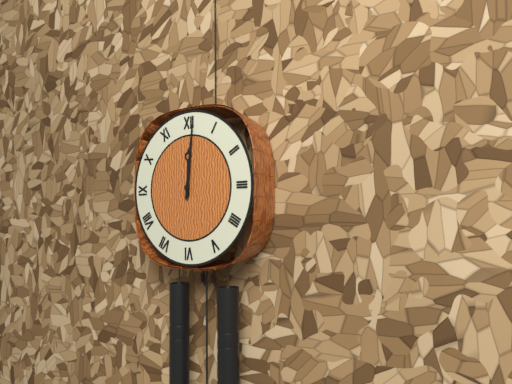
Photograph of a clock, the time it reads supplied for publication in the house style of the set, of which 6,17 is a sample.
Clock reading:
12,01
